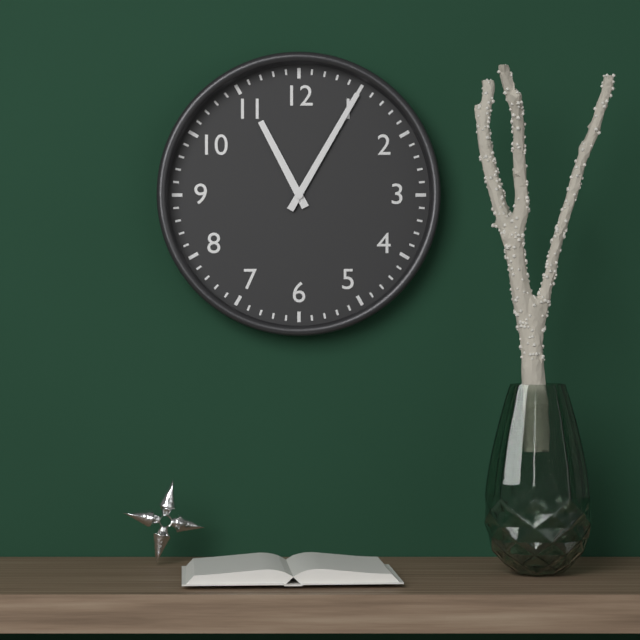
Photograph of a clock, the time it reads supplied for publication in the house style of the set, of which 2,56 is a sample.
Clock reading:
11,05
